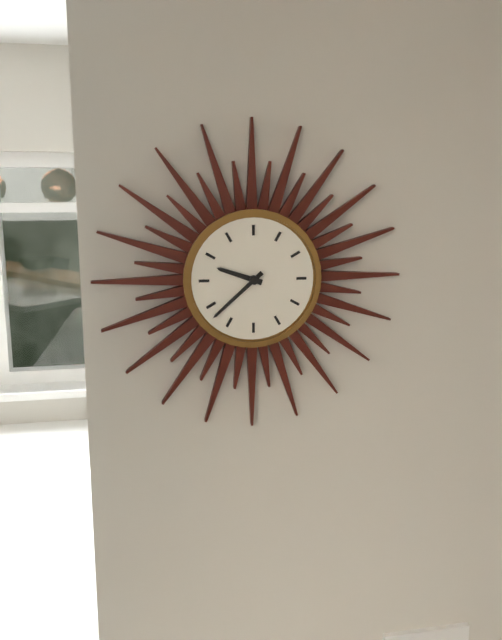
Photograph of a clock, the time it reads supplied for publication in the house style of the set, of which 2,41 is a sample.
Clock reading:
9,38
